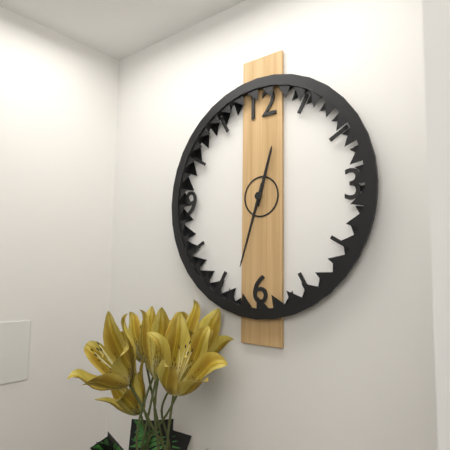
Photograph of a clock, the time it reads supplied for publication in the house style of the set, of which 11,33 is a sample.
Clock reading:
12,33
